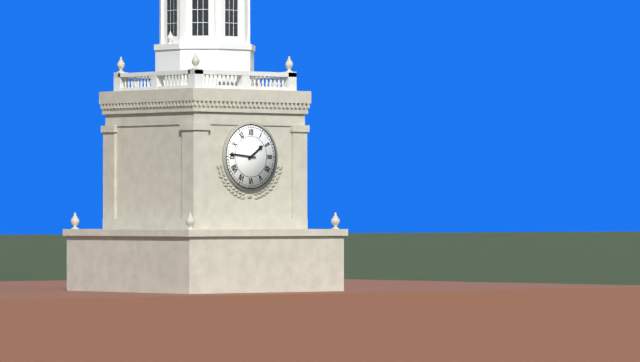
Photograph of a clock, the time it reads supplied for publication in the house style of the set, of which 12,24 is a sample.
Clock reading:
1,46
